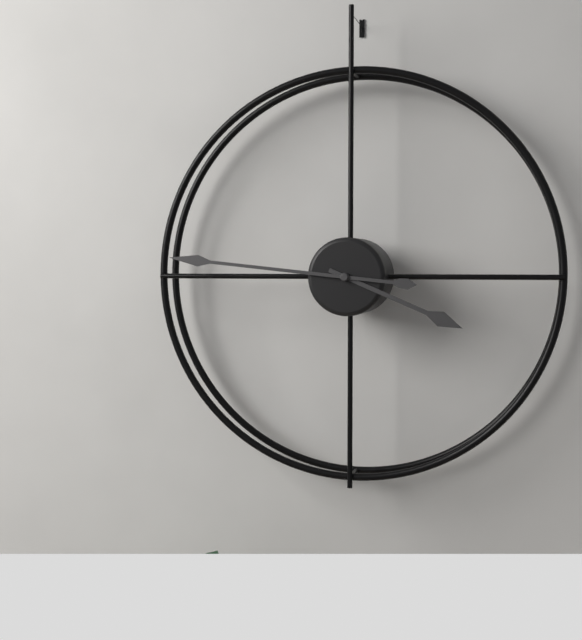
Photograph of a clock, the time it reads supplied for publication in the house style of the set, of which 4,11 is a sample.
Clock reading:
3,46
